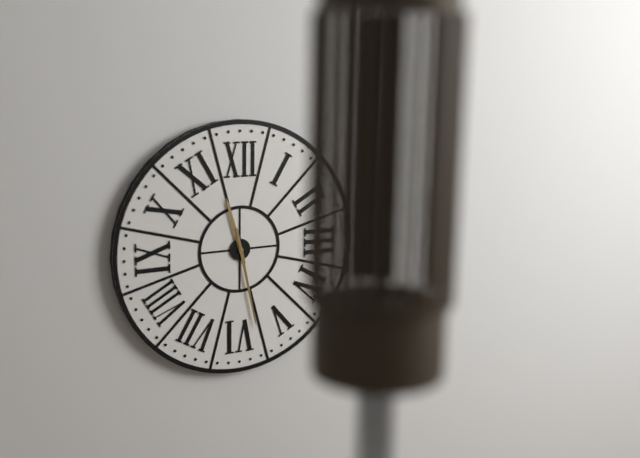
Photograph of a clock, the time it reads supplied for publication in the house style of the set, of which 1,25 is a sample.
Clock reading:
11,28
